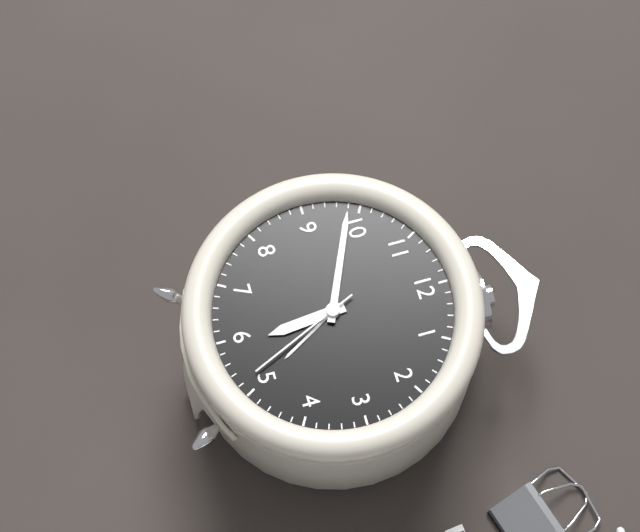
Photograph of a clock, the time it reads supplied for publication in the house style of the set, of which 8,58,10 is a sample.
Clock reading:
5,49,26
